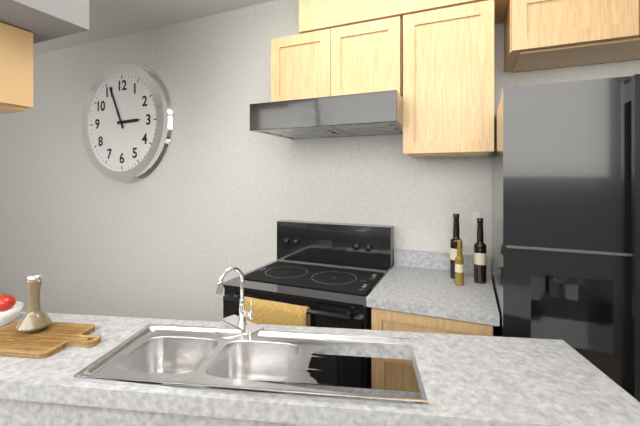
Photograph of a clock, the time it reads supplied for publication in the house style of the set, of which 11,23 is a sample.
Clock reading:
2,56
